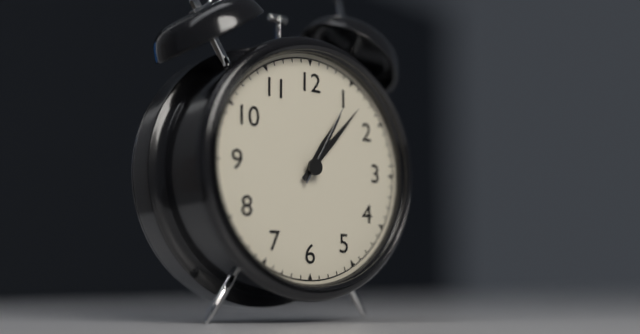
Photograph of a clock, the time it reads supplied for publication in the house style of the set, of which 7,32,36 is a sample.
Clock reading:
1,07,05
